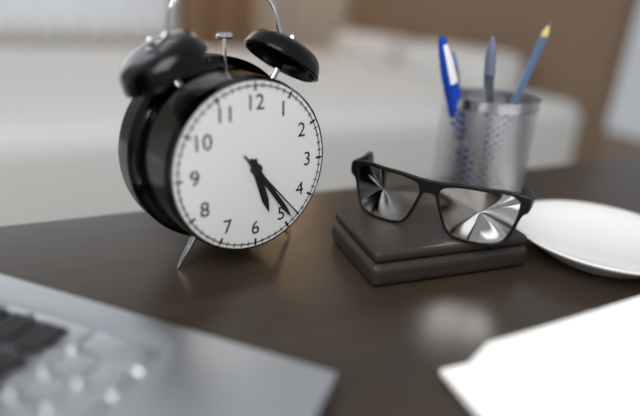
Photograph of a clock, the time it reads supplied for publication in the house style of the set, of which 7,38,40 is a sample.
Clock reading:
5,24,23
